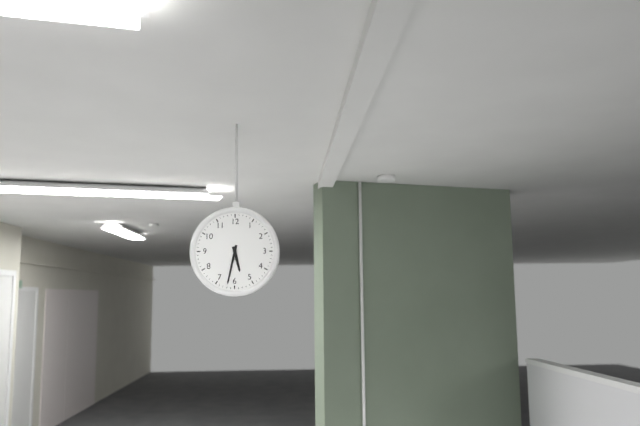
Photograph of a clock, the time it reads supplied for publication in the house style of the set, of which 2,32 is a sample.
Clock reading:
5,32
